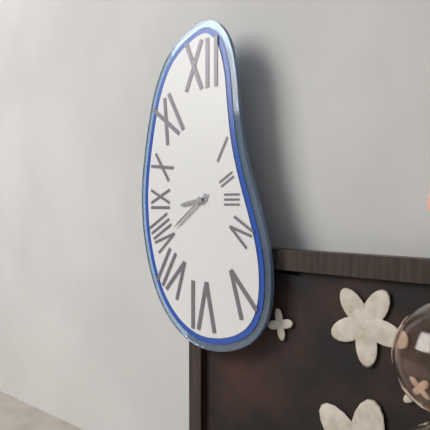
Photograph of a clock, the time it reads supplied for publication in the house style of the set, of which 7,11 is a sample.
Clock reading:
8,39
